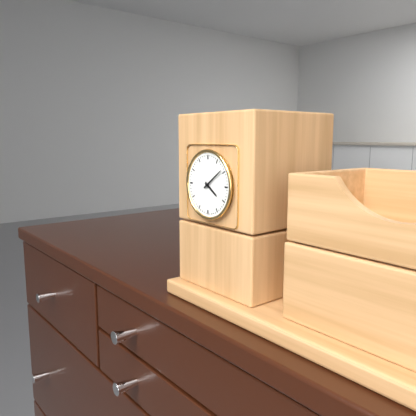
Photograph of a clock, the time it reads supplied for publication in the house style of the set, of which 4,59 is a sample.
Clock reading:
4,09
